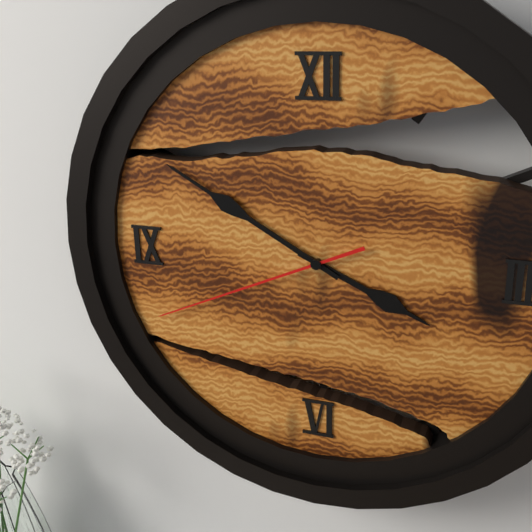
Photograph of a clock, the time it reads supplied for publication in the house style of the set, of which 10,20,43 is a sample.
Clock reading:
3,50,41
